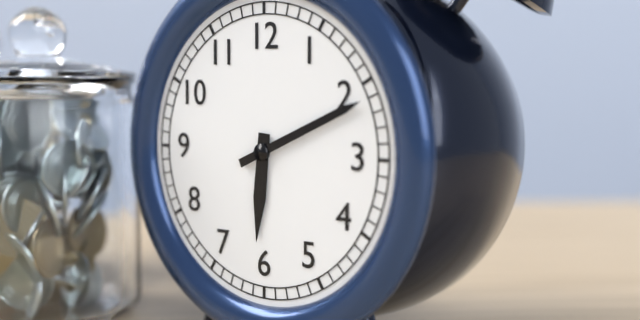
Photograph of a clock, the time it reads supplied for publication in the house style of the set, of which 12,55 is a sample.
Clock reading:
6,11
